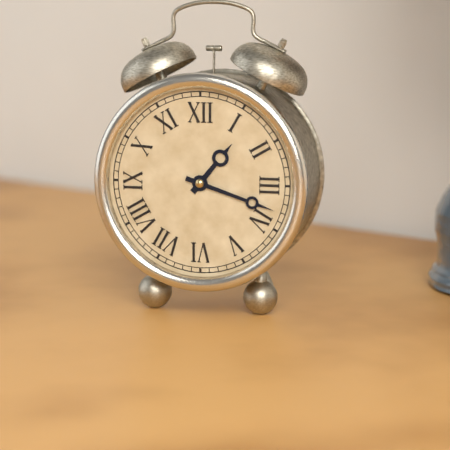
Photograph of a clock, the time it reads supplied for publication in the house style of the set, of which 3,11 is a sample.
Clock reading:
1,18
